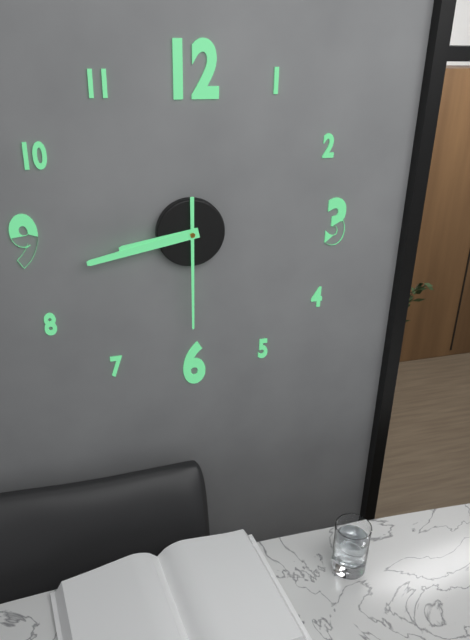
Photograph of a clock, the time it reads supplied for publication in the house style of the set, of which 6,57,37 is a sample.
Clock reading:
8,43,30
